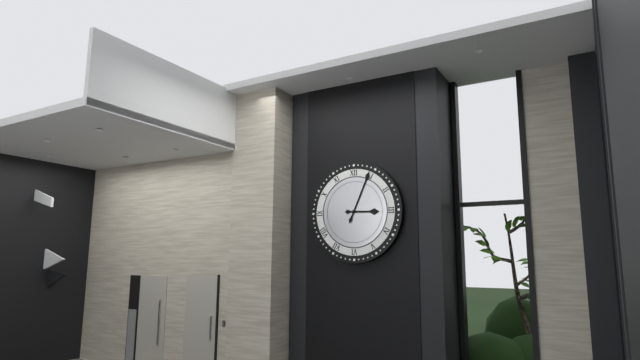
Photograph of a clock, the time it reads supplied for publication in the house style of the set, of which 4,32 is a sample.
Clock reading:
3,04
